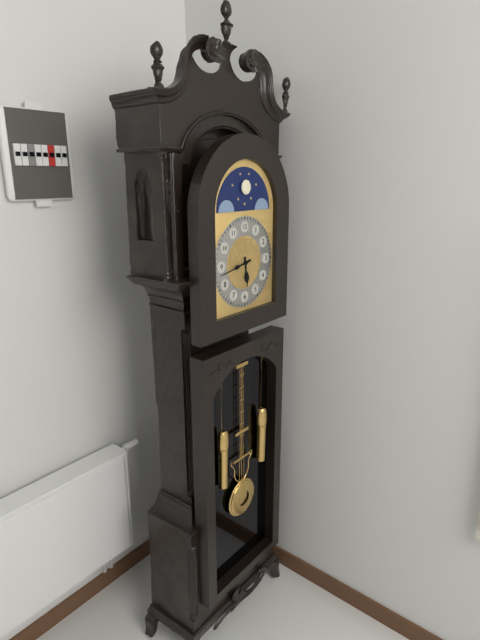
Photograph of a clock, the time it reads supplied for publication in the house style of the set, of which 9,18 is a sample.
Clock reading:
5,43
